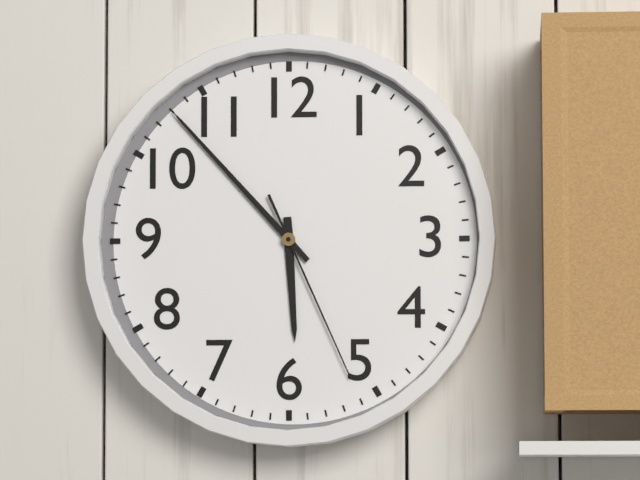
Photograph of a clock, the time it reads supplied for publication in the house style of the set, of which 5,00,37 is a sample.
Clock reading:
5,53,26
